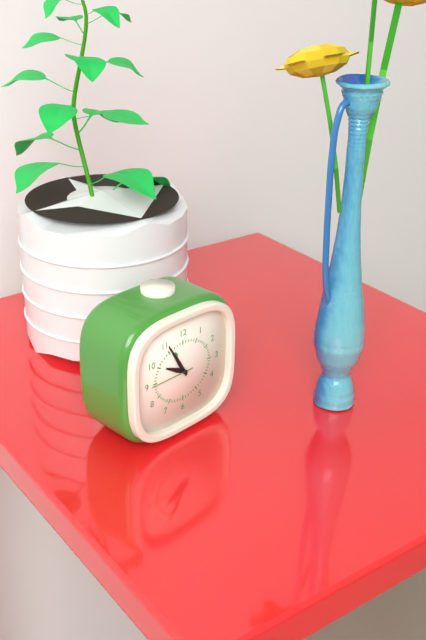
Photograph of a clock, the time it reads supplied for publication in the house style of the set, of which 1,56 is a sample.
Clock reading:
9,55
